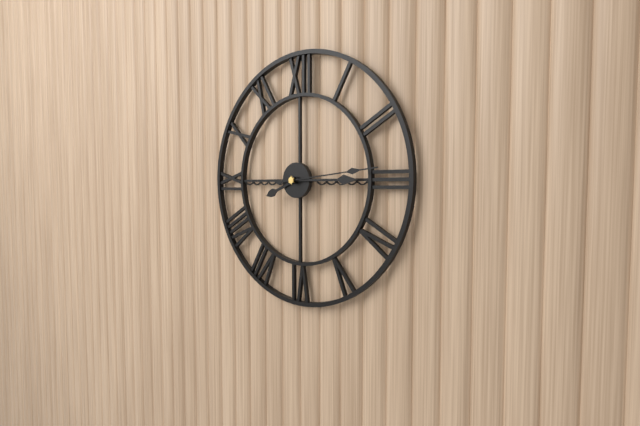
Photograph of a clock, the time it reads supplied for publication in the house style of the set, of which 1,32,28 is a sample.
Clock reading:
8,15,14
